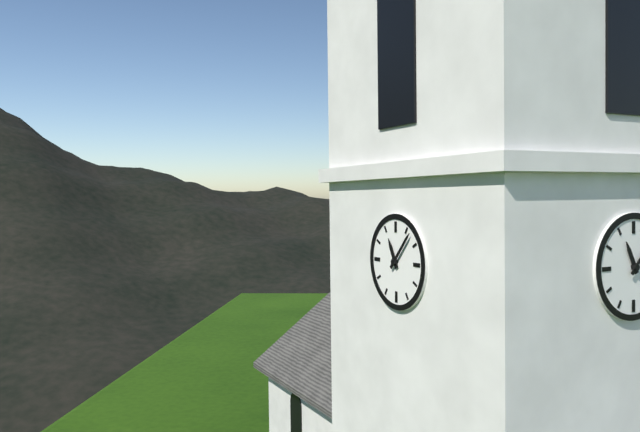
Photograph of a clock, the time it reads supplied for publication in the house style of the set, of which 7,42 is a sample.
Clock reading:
11,07
